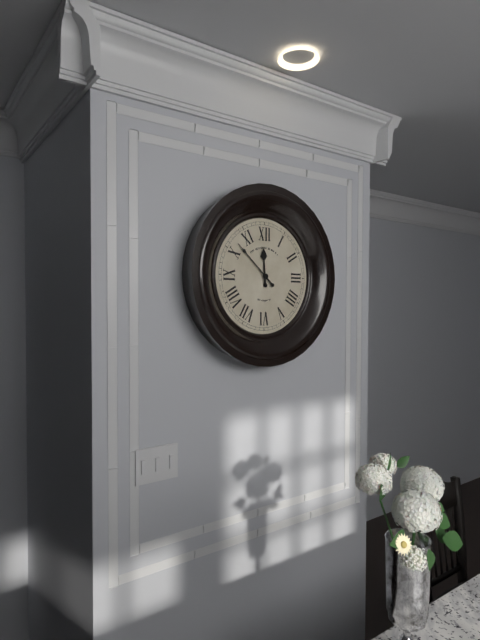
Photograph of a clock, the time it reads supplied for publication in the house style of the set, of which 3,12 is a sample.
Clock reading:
11,52
